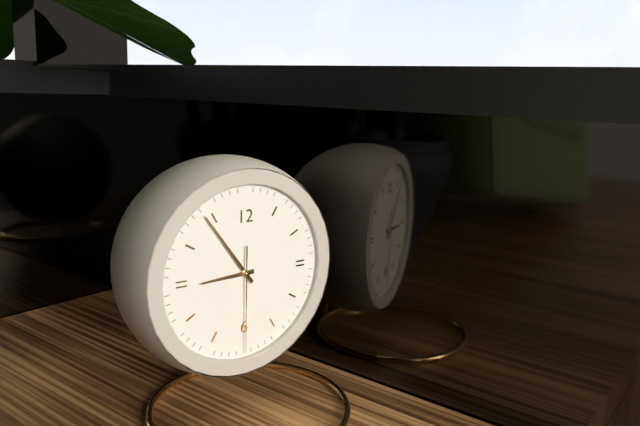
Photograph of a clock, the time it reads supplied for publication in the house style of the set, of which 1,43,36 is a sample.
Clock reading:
8,54,30
